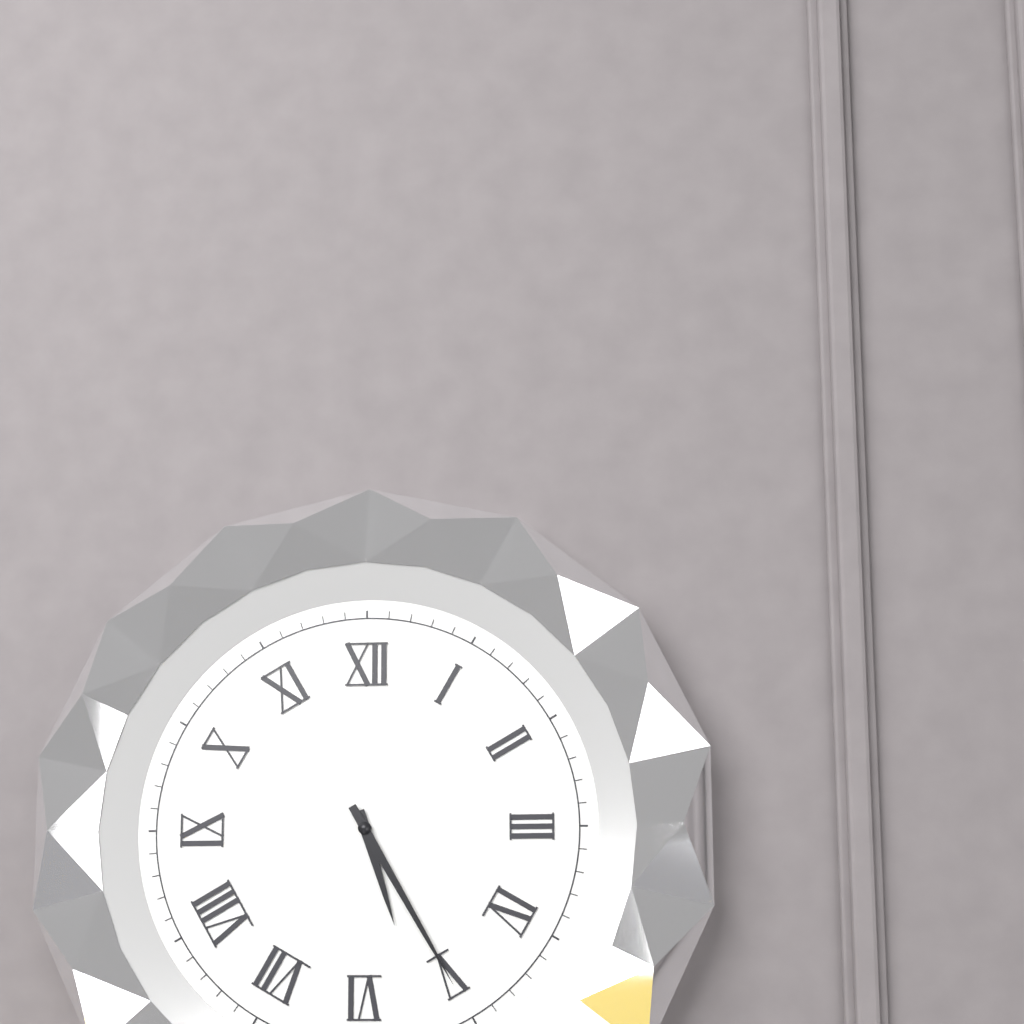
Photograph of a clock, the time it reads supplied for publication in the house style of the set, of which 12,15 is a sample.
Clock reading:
5,25
